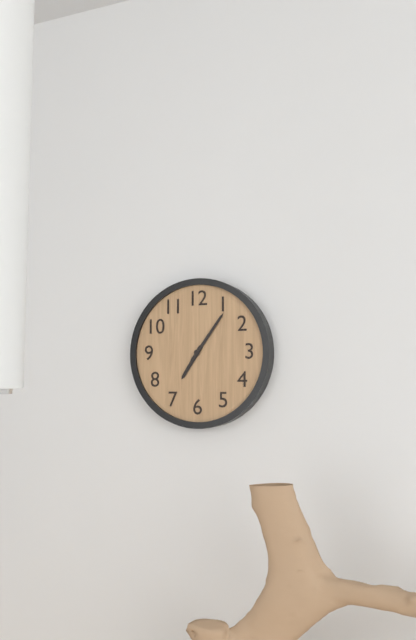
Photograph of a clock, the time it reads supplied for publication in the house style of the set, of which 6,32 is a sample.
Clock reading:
7,06
